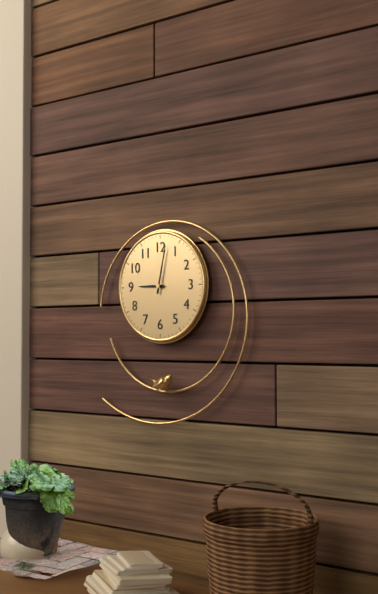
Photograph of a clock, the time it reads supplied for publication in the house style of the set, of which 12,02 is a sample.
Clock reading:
9,02
